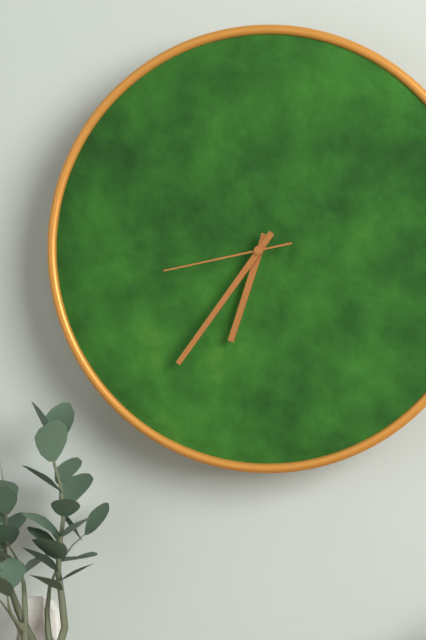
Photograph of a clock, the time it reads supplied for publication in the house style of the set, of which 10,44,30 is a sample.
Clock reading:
6,36,43
